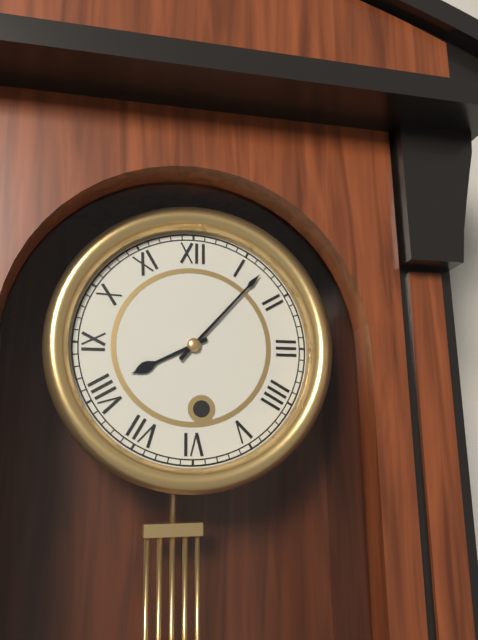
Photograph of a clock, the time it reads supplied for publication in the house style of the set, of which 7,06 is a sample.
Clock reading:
8,07
